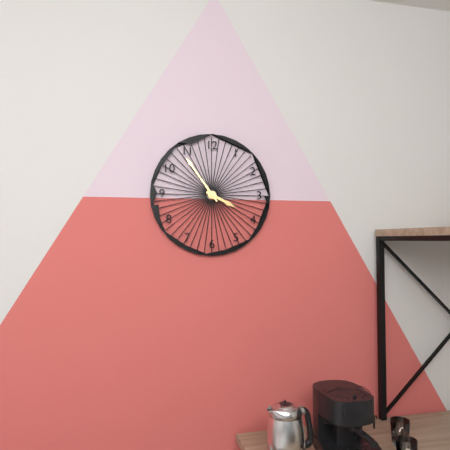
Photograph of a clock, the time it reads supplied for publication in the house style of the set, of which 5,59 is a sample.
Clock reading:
3,54
